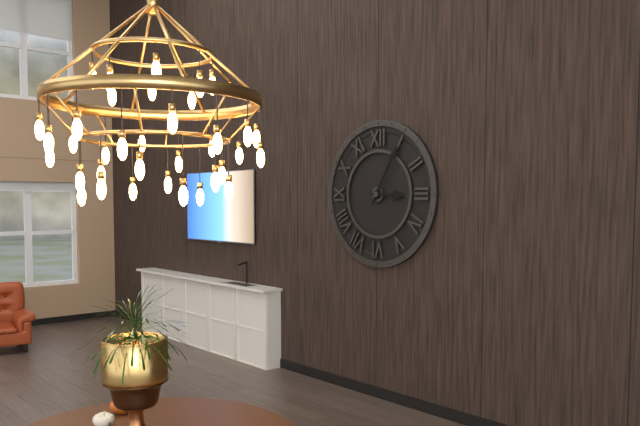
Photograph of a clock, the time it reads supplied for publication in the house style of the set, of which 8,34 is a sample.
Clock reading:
3,05
